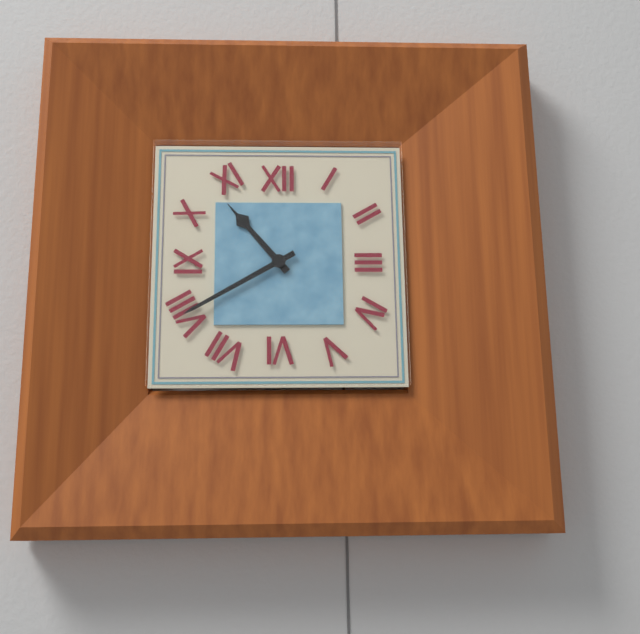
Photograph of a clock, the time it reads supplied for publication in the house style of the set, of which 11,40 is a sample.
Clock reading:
10,40
